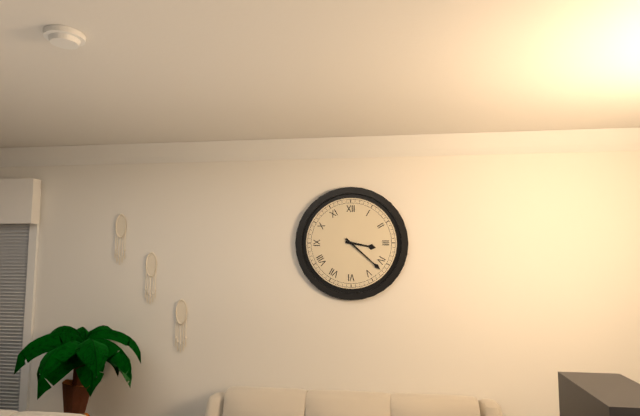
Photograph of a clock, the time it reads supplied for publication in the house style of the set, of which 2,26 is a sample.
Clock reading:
3,22
